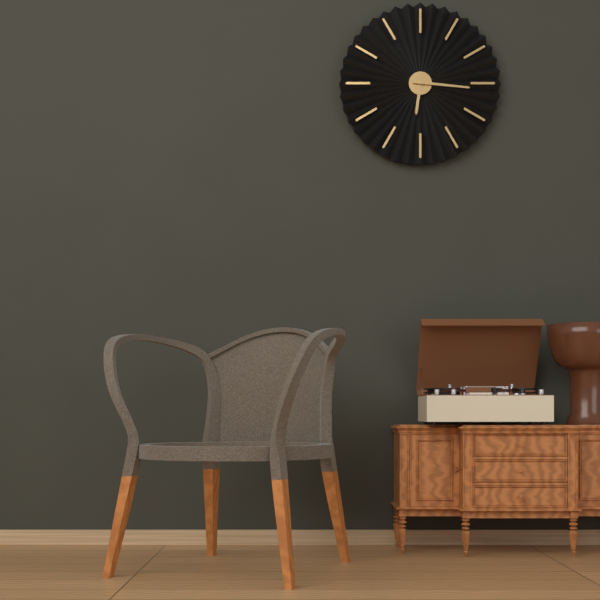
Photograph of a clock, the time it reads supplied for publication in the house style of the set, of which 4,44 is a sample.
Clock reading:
6,16
